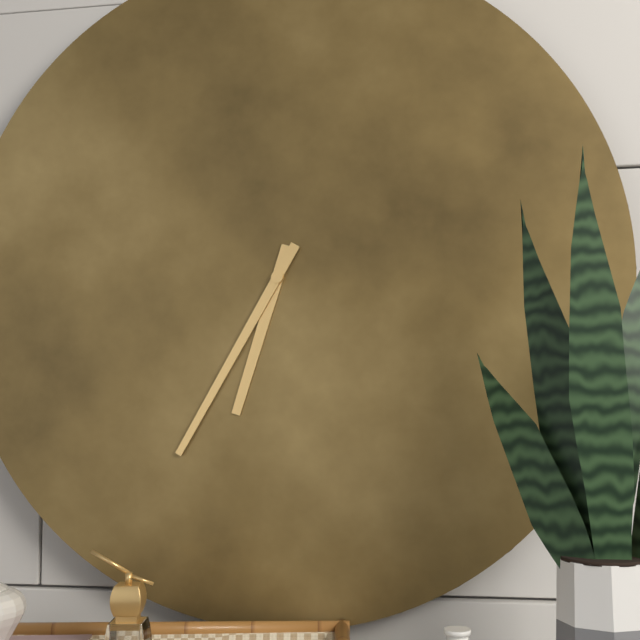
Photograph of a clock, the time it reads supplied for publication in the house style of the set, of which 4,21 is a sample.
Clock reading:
6,35
